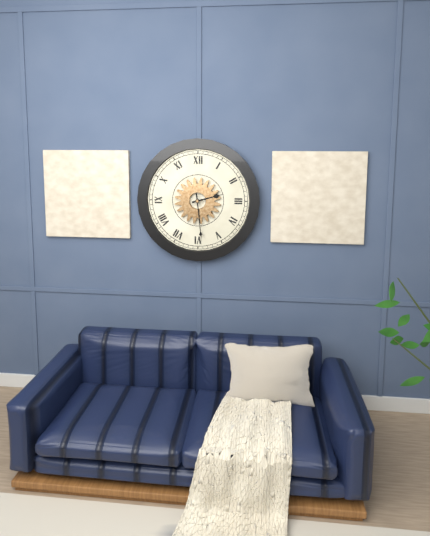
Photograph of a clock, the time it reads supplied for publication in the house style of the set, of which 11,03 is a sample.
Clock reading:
2,29
